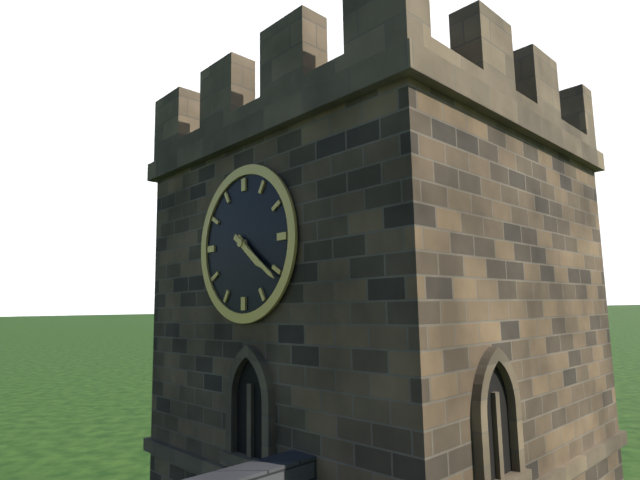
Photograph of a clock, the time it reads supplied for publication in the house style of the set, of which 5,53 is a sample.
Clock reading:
4,21
